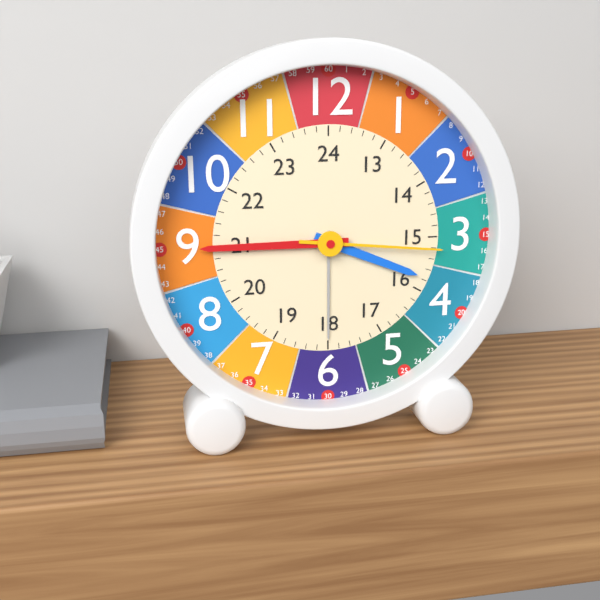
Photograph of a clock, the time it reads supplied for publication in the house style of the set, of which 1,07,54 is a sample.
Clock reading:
3,45,16
